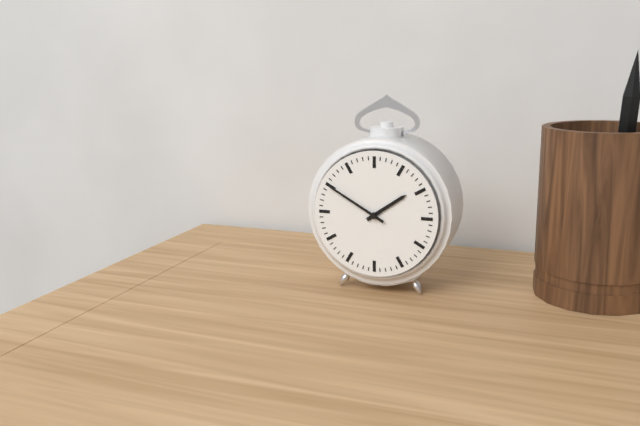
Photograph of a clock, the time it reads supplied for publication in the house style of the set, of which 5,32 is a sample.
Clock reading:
1,50
